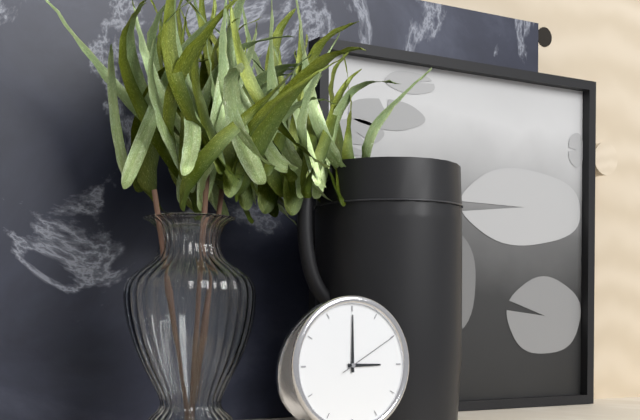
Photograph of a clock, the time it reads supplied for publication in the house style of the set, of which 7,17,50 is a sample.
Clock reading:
3,00,10
